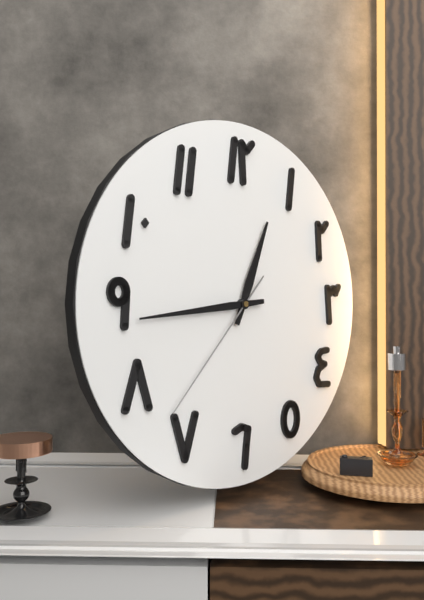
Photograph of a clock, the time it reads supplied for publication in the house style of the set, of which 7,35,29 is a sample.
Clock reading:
12,44,37
